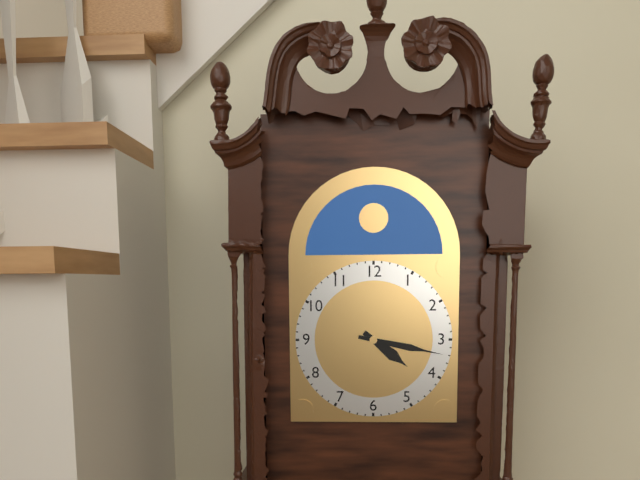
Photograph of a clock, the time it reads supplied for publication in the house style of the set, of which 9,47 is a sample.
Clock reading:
4,17
